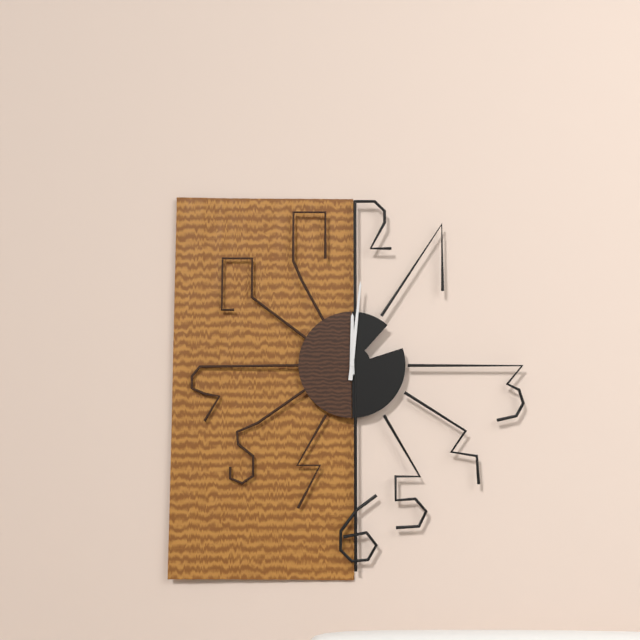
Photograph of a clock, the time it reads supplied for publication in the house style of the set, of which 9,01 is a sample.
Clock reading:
12,01
